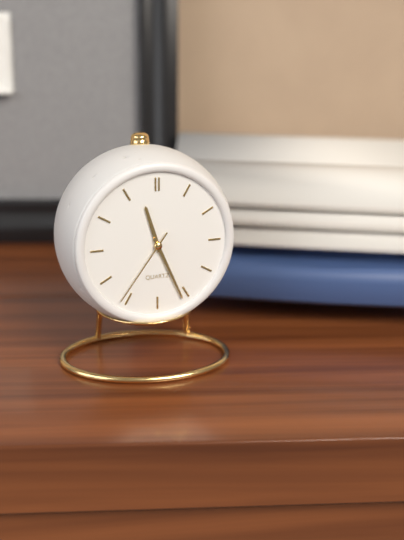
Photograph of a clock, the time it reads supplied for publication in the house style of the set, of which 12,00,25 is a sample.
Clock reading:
11,26,36
